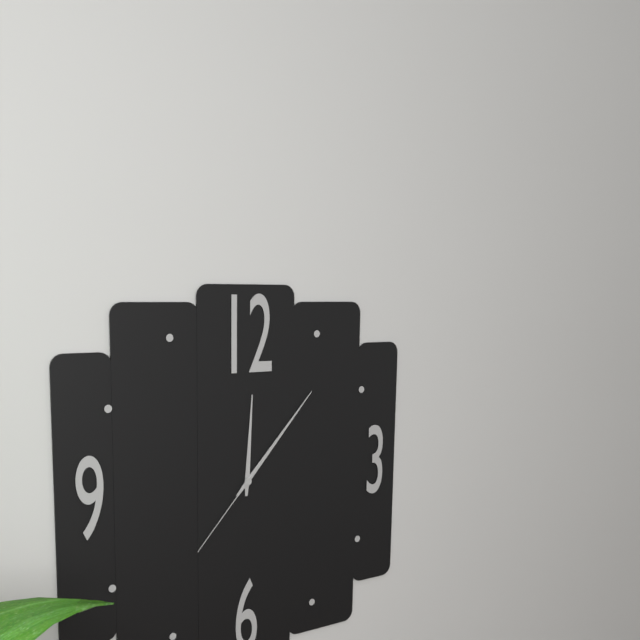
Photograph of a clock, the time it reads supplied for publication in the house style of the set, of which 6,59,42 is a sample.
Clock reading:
12,07,37
